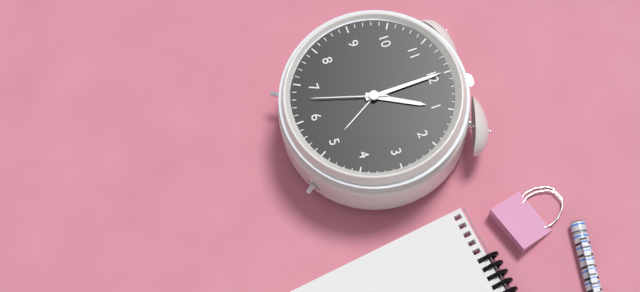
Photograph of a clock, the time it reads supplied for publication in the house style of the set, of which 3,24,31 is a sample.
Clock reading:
1,00,33
